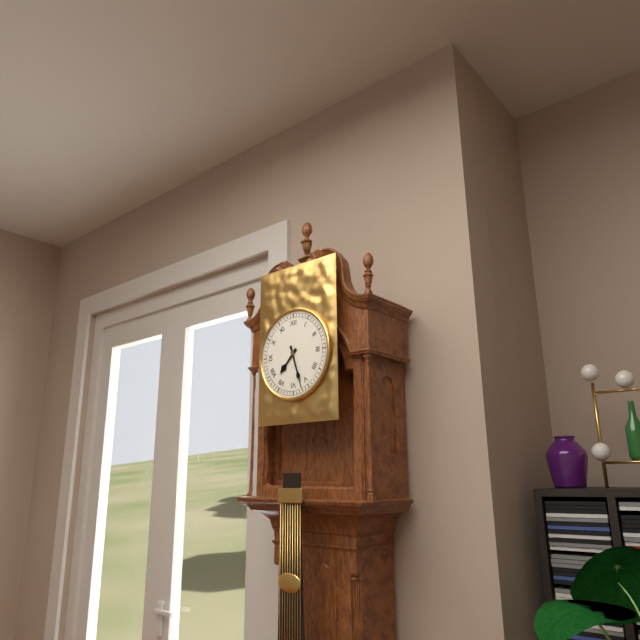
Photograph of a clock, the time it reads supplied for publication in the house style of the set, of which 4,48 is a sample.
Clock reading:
7,27
